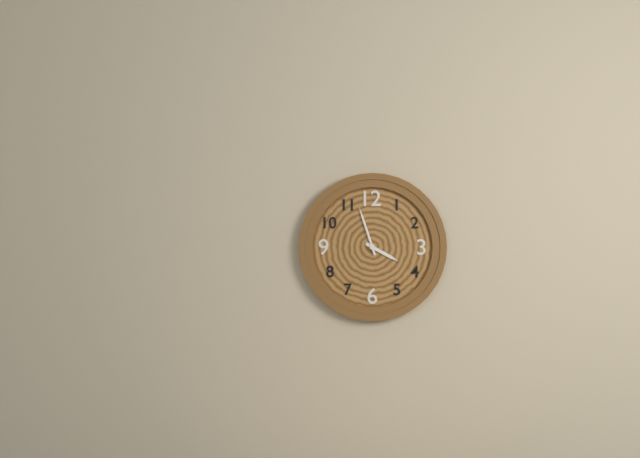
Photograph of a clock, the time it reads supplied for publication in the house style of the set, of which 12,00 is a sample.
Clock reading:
3,57
